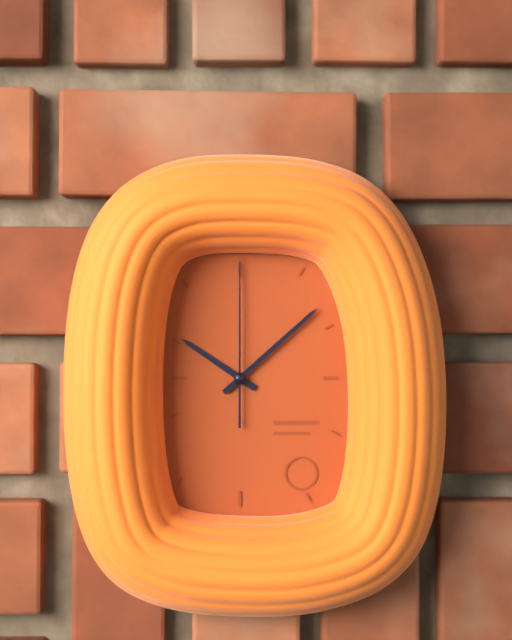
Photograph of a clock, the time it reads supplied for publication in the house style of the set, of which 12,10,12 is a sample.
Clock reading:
10,08,00
